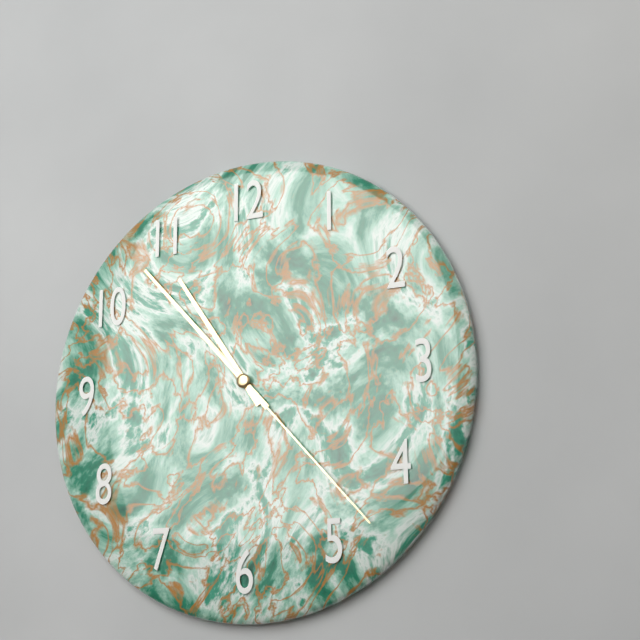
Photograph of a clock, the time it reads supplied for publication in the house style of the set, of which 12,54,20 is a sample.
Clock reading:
10,53,23
